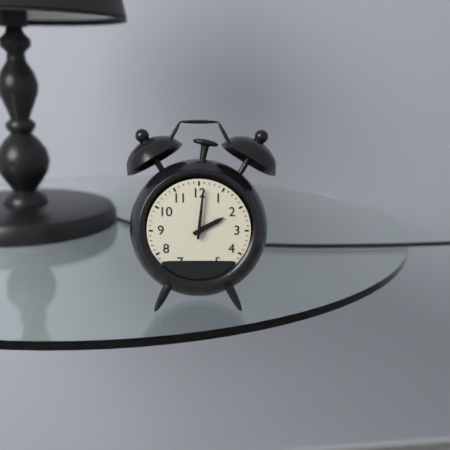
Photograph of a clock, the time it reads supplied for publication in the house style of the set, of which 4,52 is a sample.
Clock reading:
2,01
